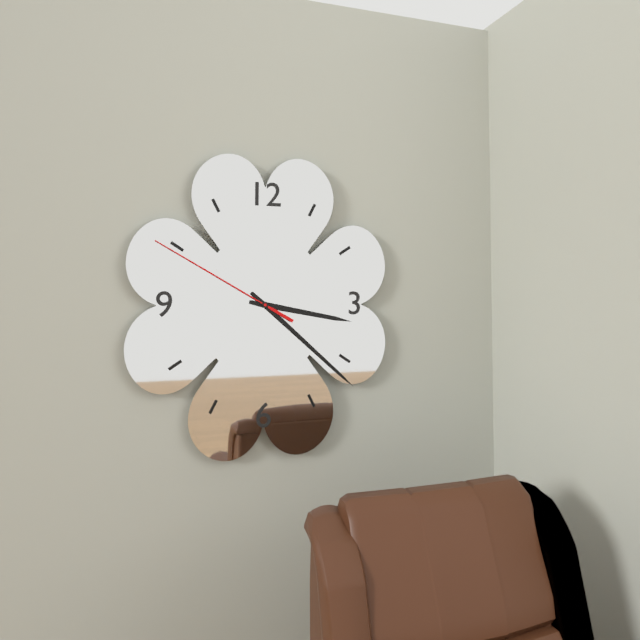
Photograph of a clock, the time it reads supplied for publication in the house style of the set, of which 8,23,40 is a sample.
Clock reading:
3,22,50
